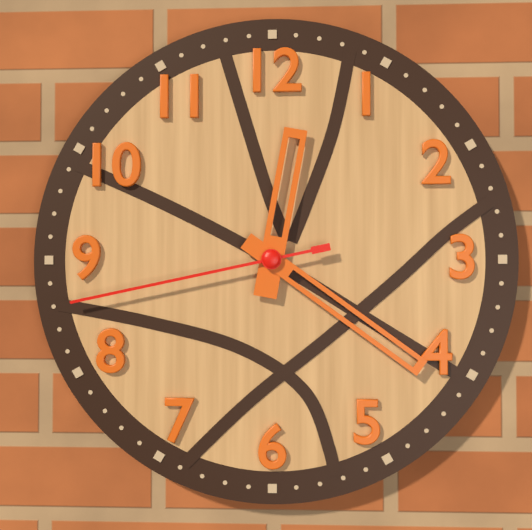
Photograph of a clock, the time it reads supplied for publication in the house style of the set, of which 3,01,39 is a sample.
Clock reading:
12,21,43
